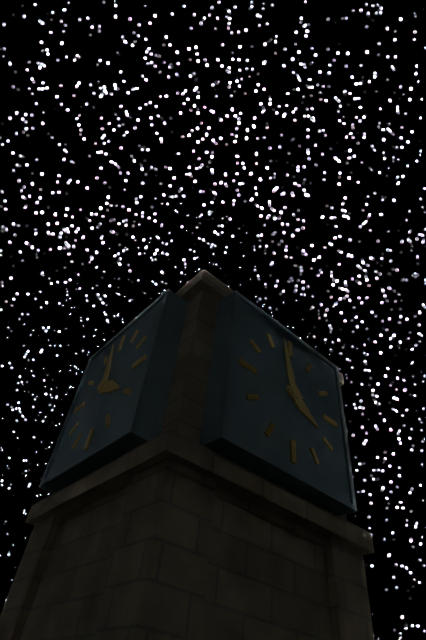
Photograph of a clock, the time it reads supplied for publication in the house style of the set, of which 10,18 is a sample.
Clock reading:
3,58
